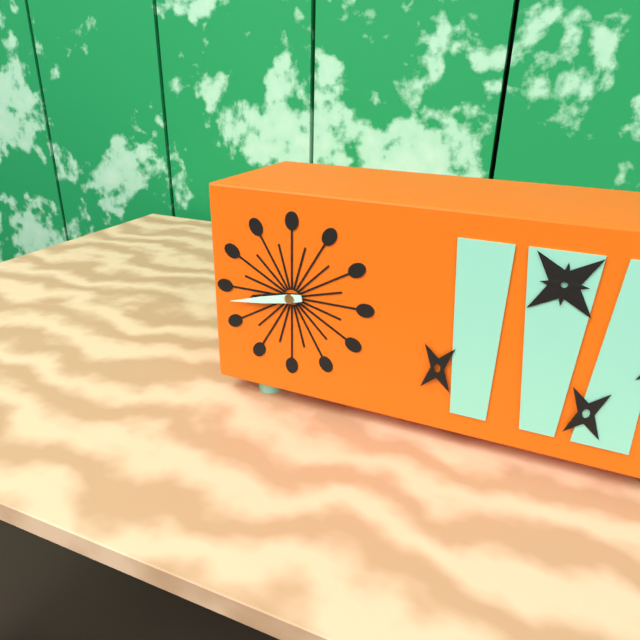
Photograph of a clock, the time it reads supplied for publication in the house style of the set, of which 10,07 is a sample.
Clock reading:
8,43
